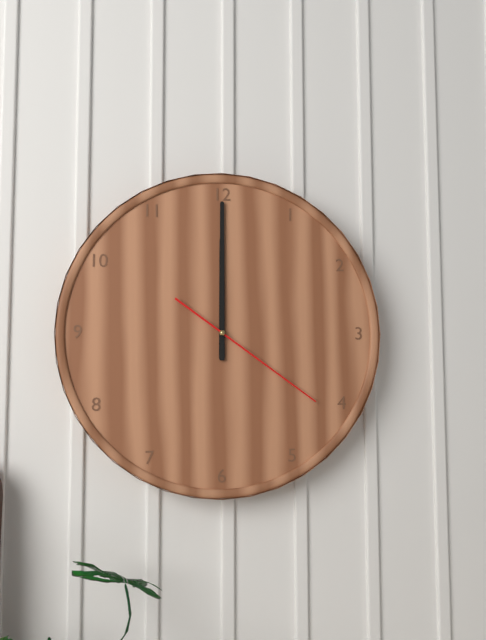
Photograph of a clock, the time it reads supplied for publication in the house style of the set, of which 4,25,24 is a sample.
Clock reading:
12,00,21
